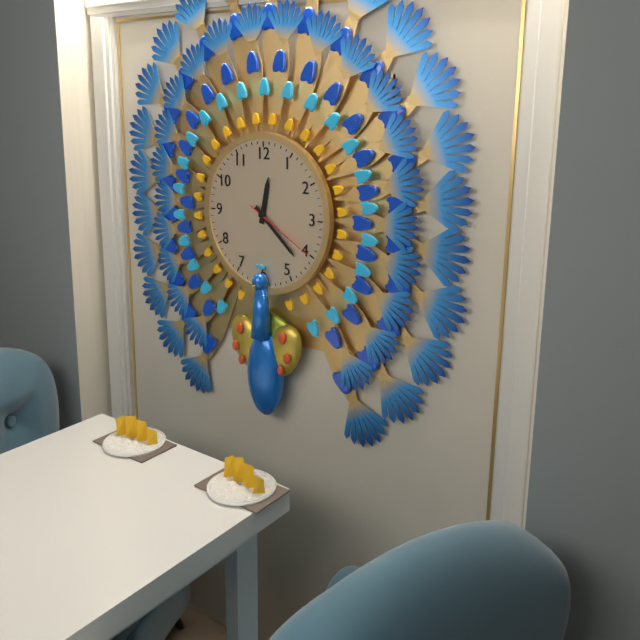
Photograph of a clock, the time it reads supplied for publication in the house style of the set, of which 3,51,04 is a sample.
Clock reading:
12,22,20
